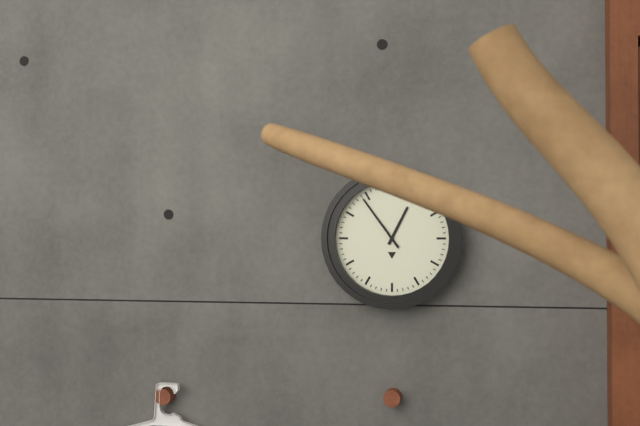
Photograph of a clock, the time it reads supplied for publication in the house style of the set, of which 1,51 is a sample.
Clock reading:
12,54
